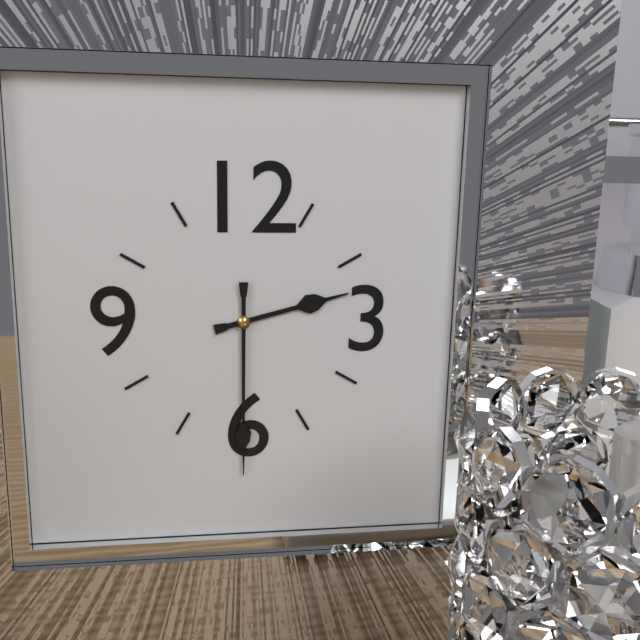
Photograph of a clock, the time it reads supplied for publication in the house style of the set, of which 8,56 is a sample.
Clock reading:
2,30
